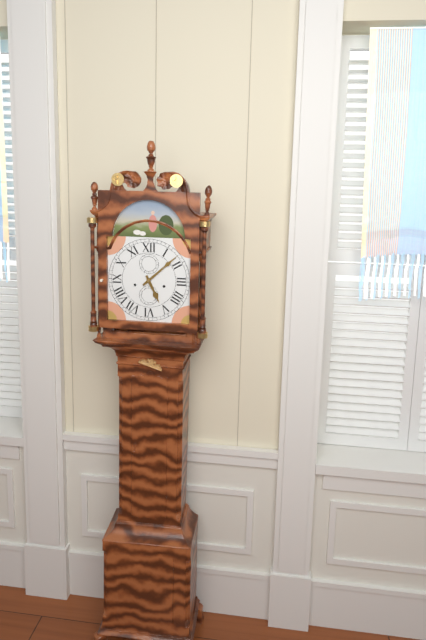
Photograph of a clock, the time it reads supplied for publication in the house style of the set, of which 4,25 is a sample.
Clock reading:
5,08
